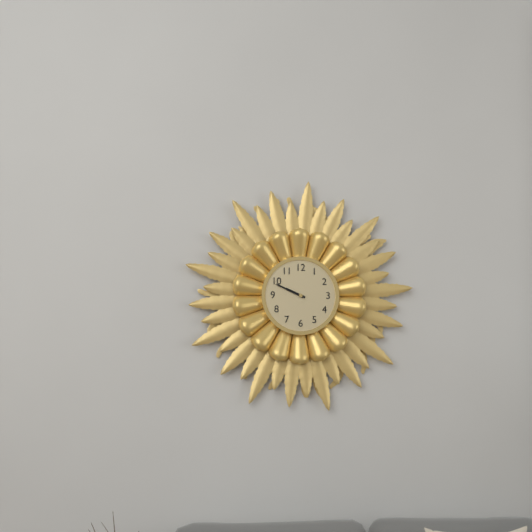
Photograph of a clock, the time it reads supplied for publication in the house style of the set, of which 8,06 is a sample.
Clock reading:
9,49
